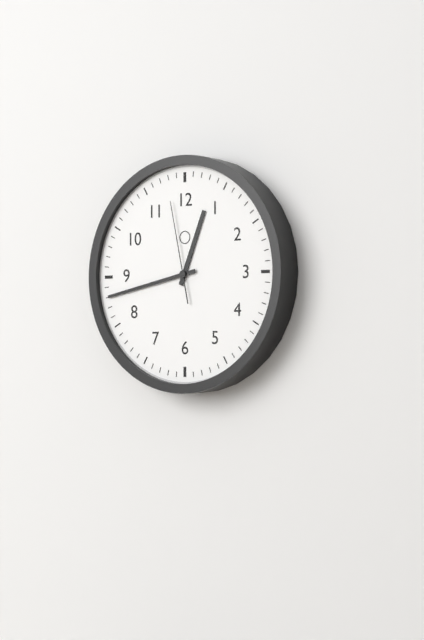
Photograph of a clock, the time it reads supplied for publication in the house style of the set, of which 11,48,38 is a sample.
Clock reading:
12,43,58
